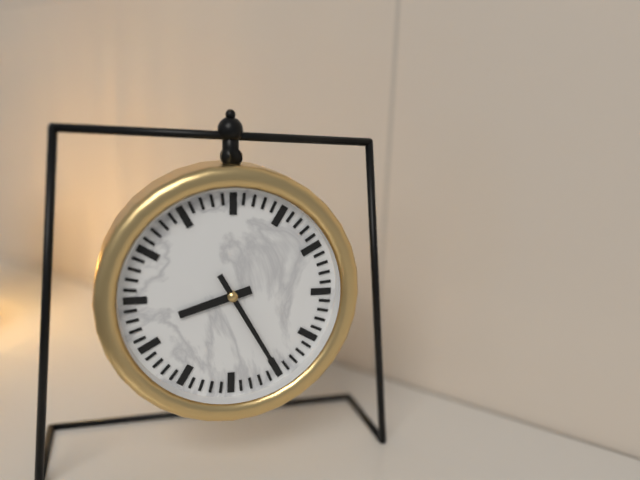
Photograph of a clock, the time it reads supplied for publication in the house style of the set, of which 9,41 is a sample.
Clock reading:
8,25
